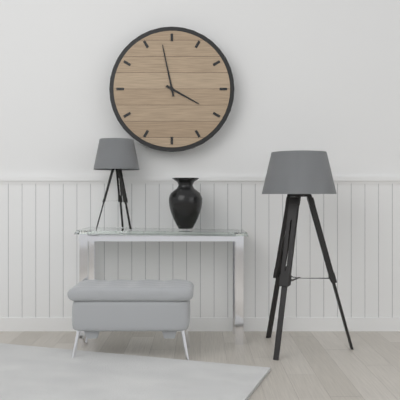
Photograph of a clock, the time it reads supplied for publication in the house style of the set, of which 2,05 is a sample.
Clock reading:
3,58
